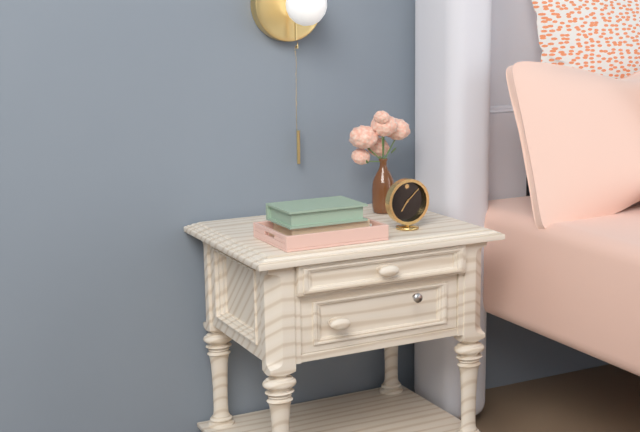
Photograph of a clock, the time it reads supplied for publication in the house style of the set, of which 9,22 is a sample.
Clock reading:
7,08
